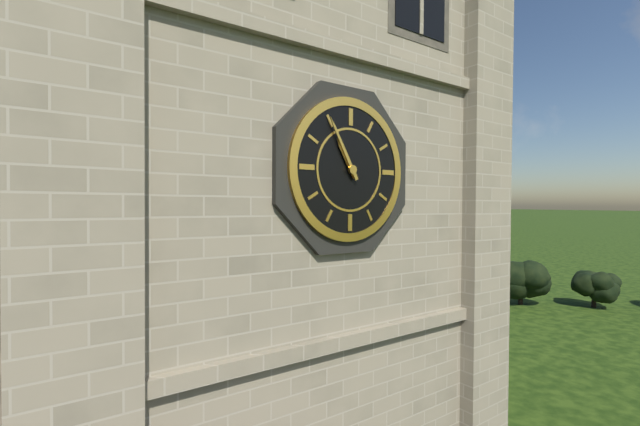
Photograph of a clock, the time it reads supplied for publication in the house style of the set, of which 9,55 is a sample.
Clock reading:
10,55
